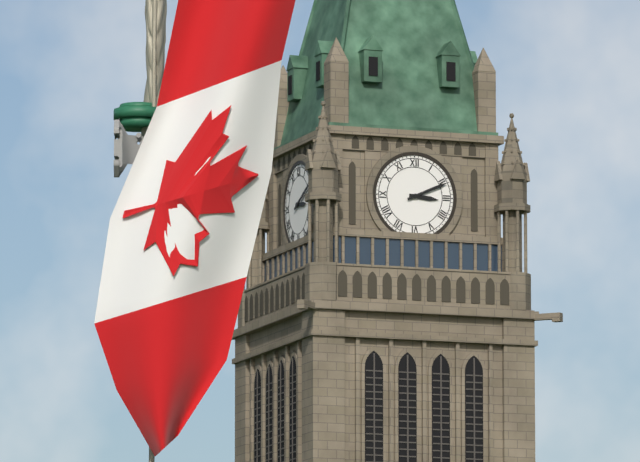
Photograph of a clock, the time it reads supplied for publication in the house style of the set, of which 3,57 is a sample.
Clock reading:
3,11
